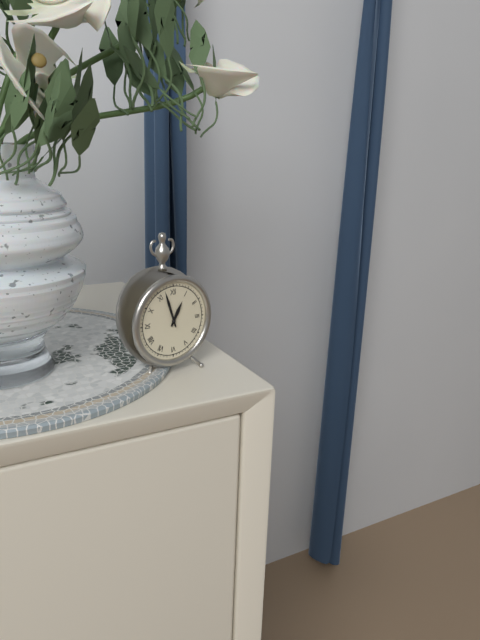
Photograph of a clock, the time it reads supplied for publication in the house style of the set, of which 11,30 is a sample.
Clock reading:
12,57
